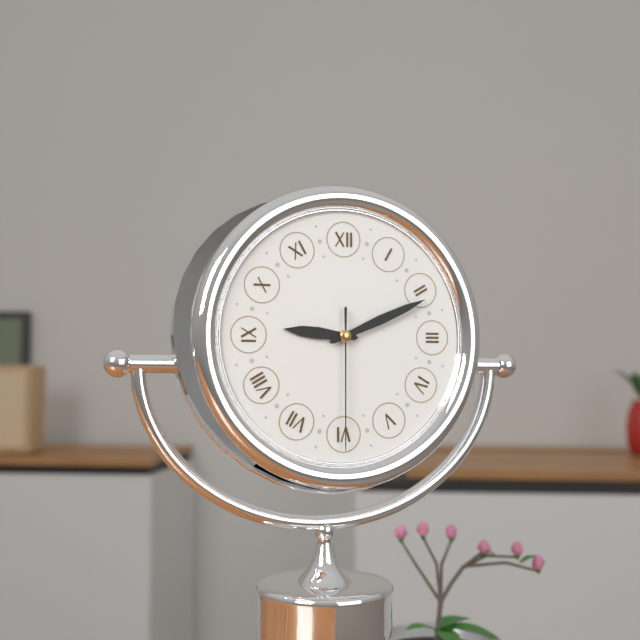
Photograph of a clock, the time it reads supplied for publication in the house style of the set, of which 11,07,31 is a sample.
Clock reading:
9,11,30
